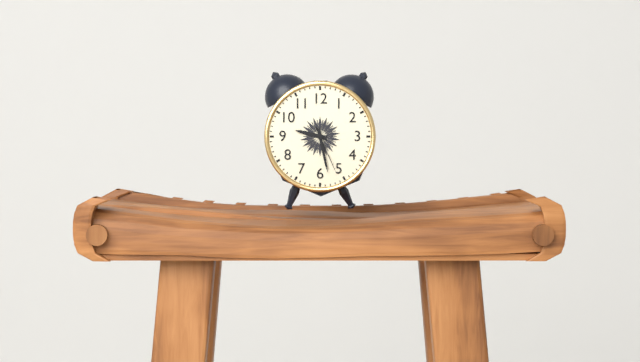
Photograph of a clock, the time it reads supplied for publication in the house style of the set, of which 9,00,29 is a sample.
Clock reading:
9,28,26
